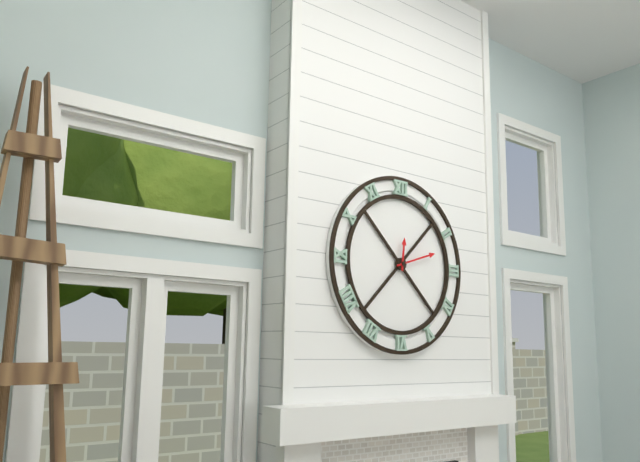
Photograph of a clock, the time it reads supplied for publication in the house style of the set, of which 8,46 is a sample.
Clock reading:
12,12
